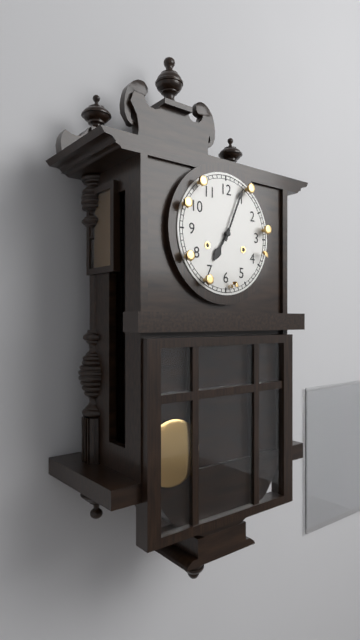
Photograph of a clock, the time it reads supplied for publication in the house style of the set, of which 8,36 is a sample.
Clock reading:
7,04
